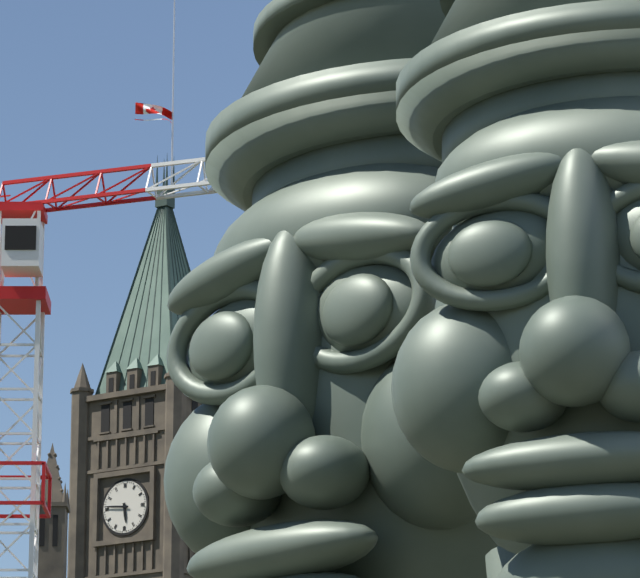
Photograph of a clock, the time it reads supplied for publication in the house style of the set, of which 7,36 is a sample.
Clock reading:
5,46
